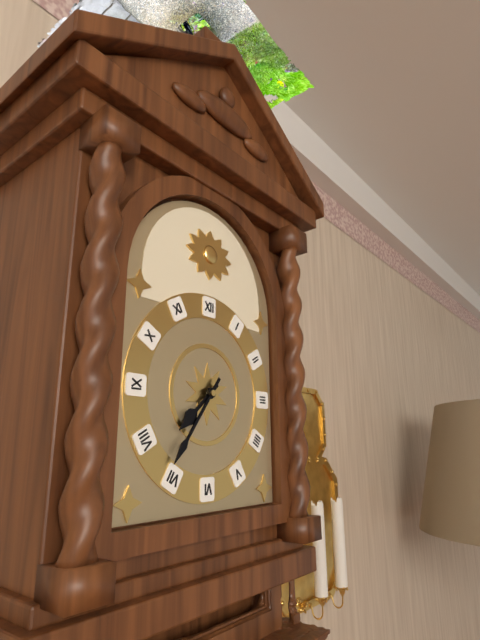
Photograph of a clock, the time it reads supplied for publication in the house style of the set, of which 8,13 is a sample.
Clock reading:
7,36
